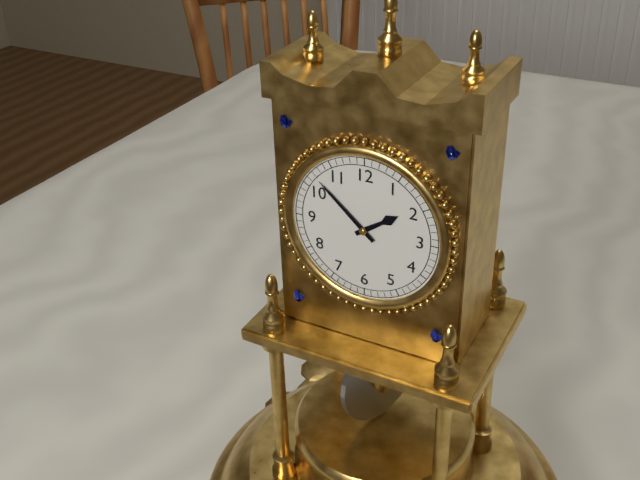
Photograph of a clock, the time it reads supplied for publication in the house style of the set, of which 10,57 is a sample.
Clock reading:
1,52
